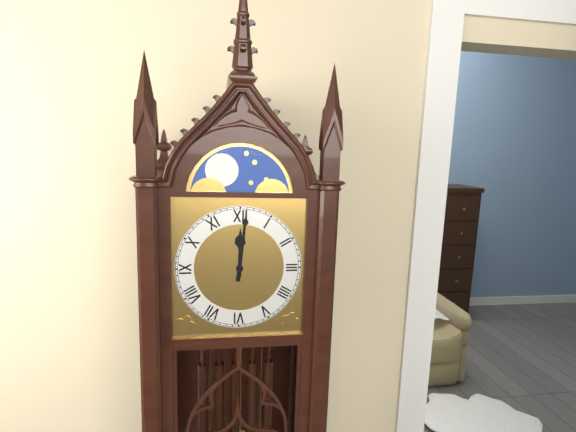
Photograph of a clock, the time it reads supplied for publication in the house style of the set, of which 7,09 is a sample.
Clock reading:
12,01
